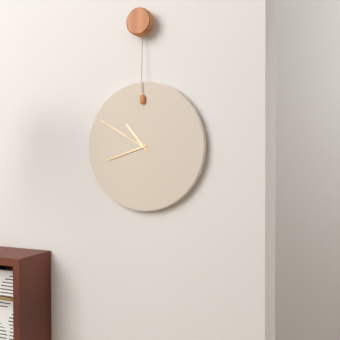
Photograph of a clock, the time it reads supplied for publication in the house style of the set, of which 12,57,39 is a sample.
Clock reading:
10,42,50
